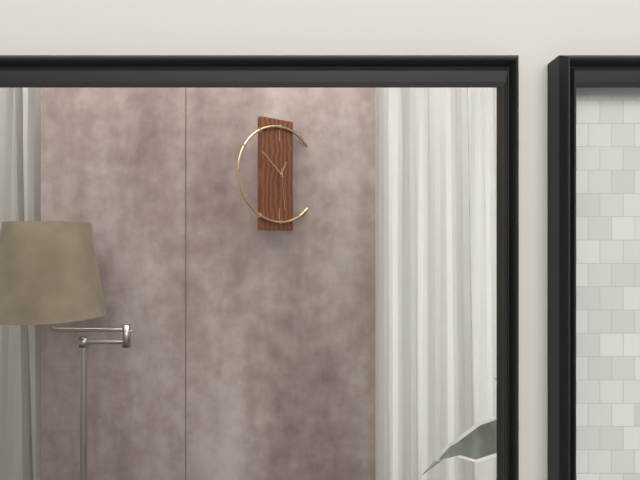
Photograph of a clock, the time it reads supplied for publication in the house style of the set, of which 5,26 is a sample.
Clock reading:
12,52
